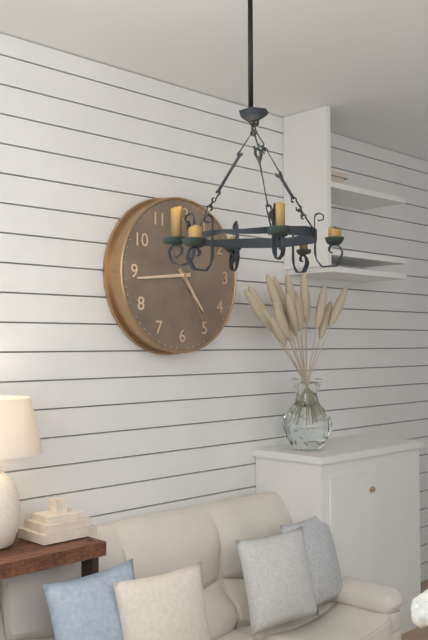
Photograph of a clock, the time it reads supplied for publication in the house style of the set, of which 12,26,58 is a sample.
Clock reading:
4,44,25
